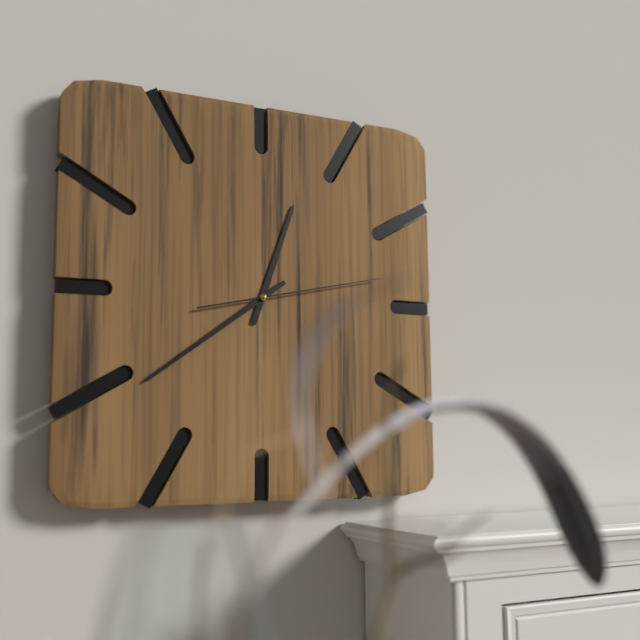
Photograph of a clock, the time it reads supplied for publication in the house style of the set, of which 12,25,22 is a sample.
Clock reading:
12,39,13
